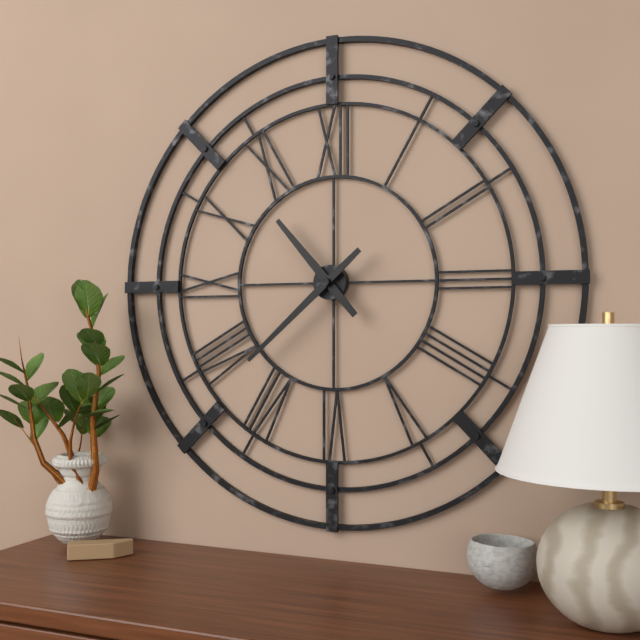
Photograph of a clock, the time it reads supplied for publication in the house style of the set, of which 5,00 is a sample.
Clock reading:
10,38
